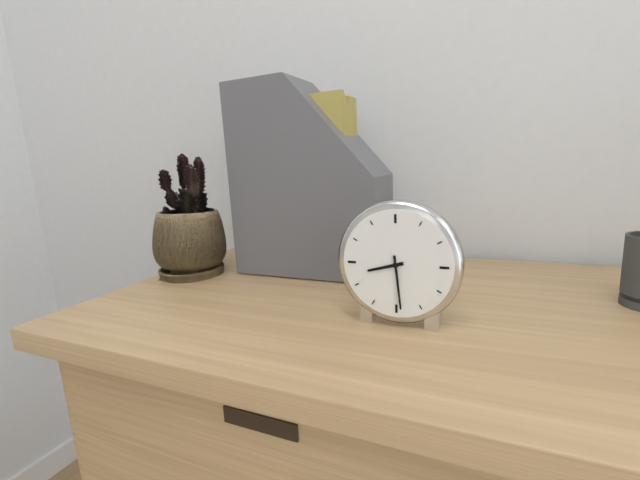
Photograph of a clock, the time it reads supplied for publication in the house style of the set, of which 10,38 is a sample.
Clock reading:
8,29
